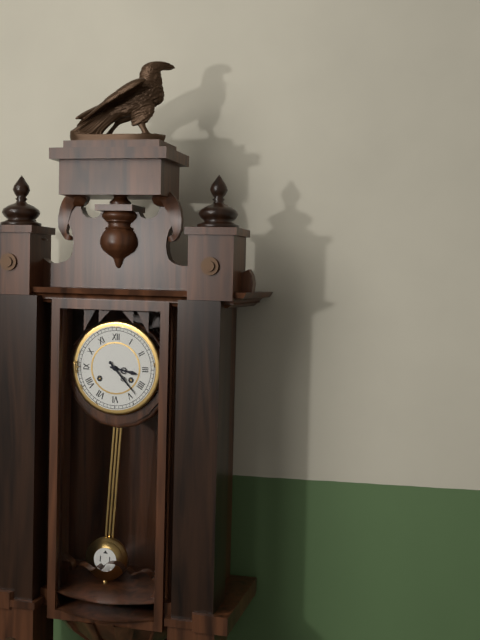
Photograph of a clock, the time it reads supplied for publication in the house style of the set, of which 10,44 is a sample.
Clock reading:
3,23
